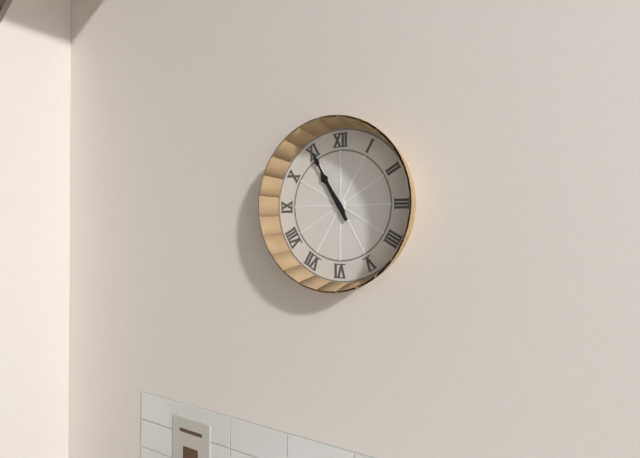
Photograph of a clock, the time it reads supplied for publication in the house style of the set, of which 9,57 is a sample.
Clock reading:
10,55
